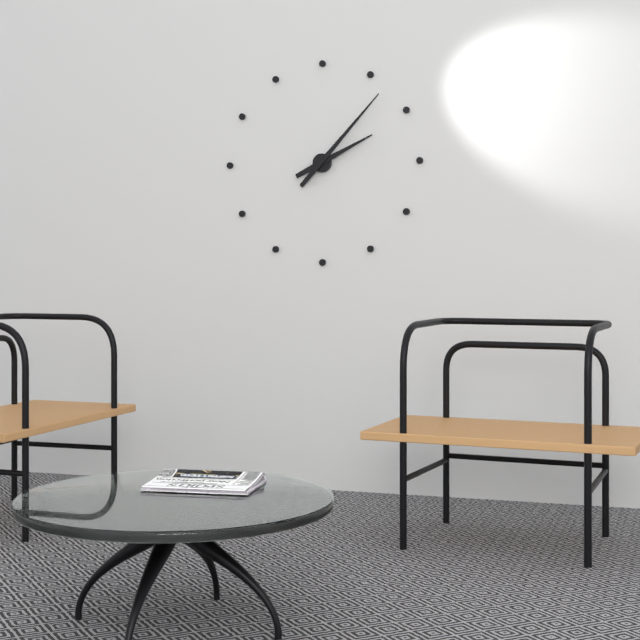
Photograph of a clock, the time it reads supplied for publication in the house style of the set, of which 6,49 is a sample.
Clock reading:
2,07
